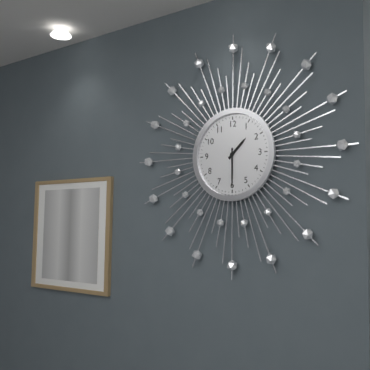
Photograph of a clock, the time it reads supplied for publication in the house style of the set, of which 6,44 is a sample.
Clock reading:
1,30
